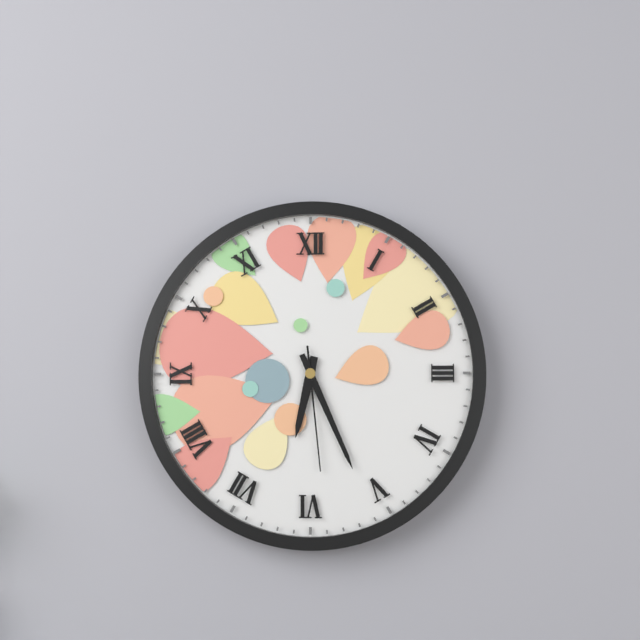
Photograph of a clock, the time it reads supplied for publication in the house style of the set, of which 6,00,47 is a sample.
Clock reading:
6,26,29
